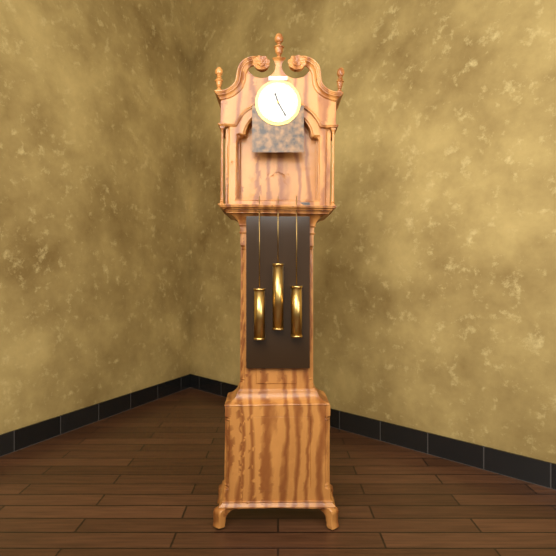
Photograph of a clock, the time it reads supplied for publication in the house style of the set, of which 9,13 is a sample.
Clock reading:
11,25
